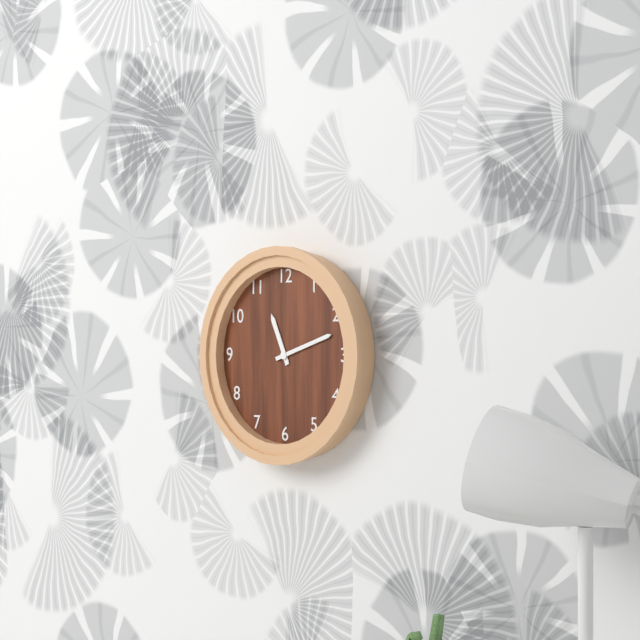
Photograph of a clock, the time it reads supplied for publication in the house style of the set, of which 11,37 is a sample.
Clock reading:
11,12
